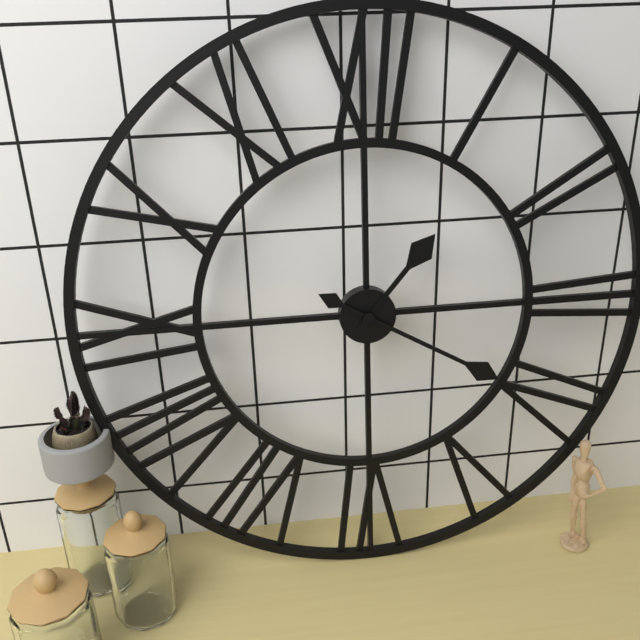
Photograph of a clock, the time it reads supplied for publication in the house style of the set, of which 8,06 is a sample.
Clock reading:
1,20
